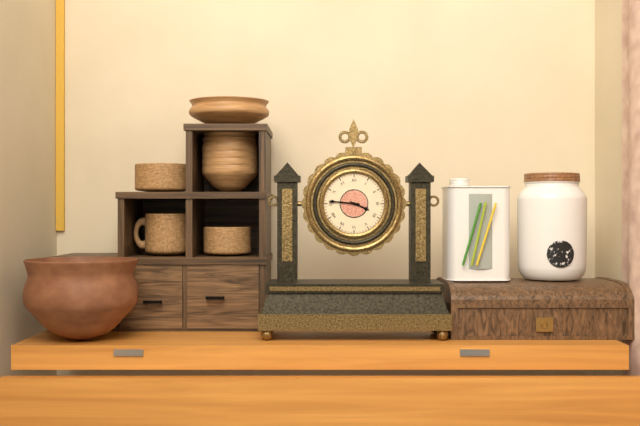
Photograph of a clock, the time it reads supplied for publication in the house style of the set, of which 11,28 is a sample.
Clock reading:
3,46
